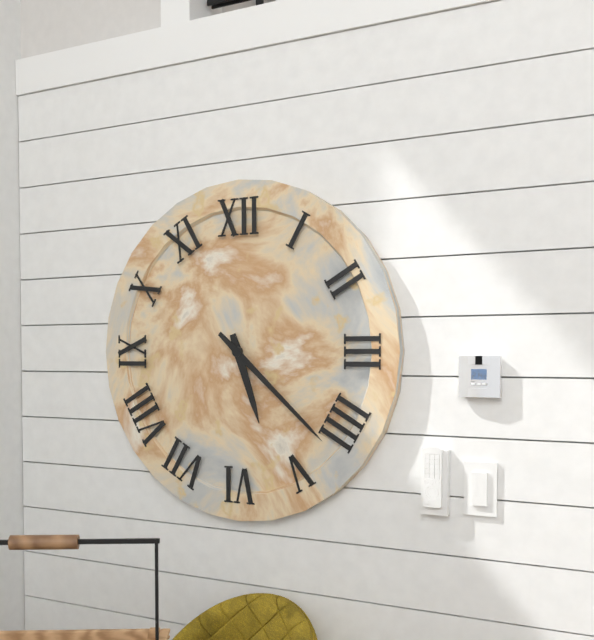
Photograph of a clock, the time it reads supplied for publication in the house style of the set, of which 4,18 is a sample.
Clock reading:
5,22
